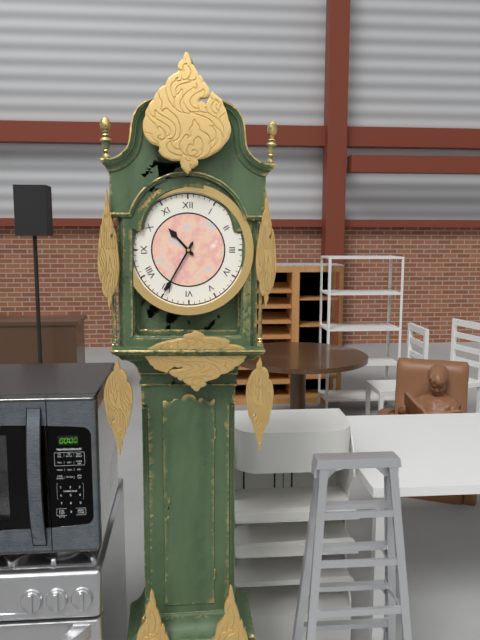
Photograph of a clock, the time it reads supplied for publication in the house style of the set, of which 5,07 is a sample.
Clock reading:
10,35
